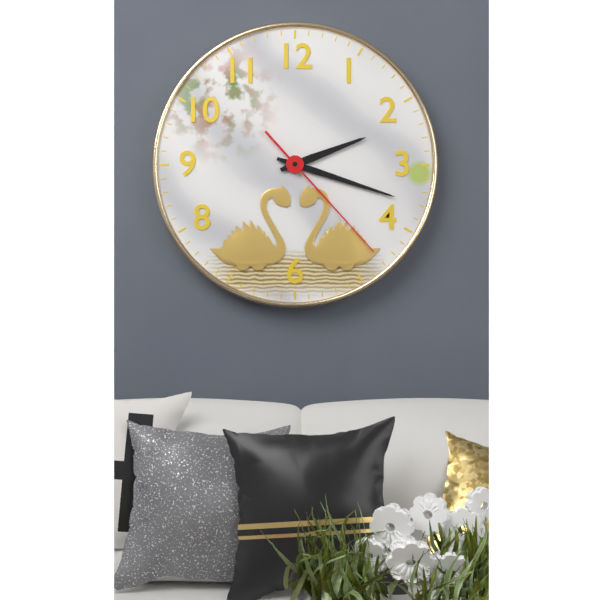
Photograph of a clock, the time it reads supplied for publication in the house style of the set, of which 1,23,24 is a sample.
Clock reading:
2,18,23
